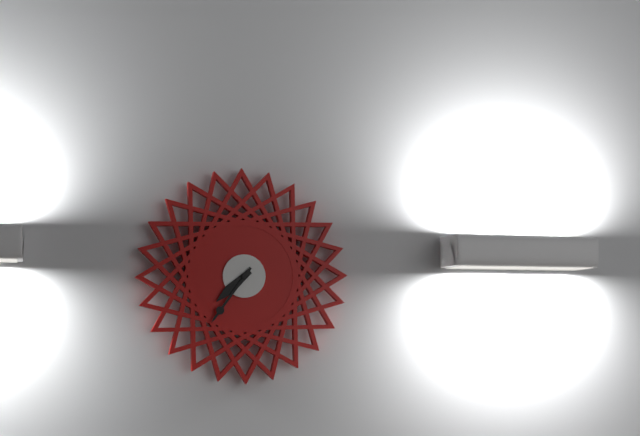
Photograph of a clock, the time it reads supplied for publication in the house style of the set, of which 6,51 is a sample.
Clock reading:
7,36
